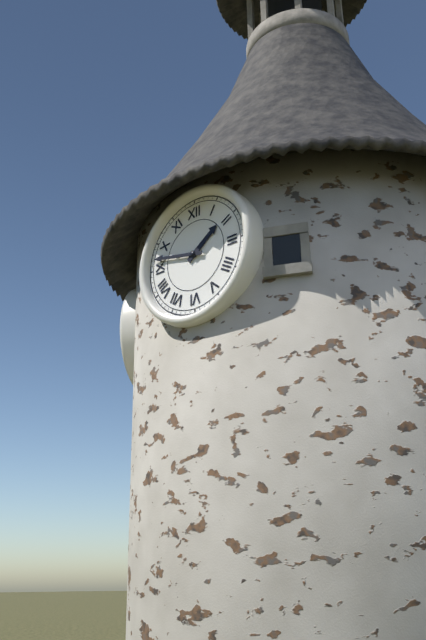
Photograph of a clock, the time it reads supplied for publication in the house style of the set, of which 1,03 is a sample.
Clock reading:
1,47
